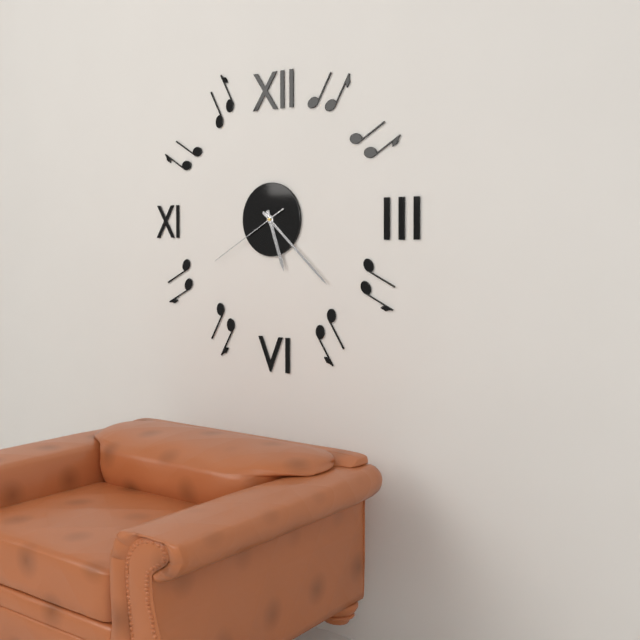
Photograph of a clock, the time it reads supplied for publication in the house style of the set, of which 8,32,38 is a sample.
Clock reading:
5,22,40
